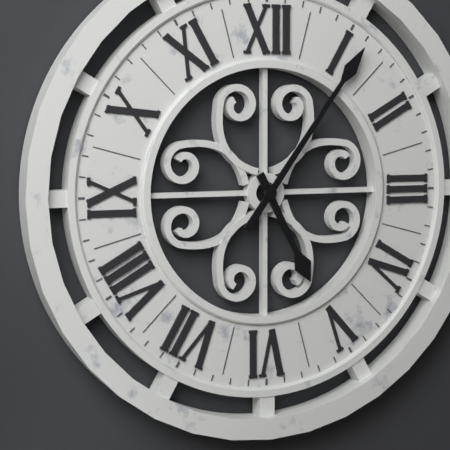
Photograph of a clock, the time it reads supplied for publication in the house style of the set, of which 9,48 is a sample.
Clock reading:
5,06
